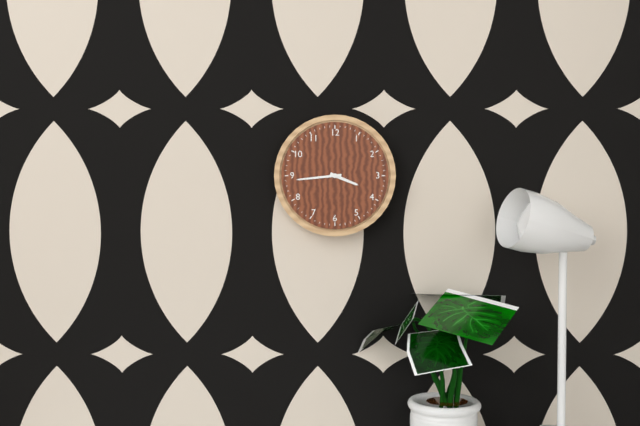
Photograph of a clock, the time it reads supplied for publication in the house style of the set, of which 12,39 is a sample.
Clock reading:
3,44
